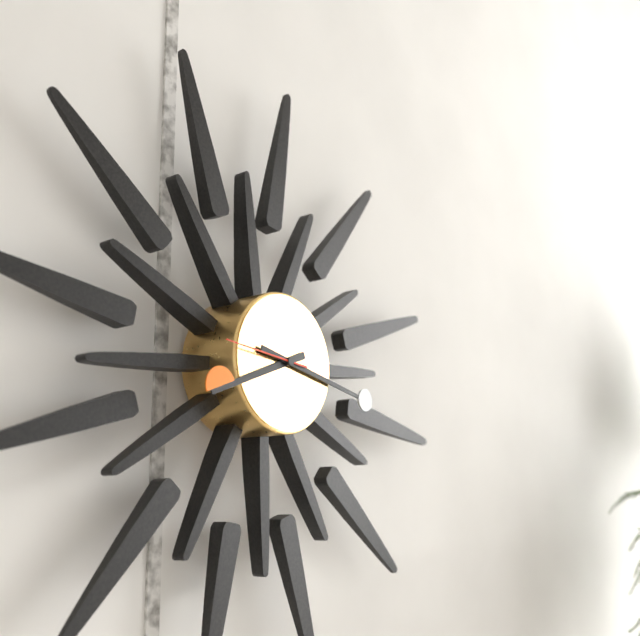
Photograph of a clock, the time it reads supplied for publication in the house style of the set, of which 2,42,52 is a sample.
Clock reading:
8,17,46
